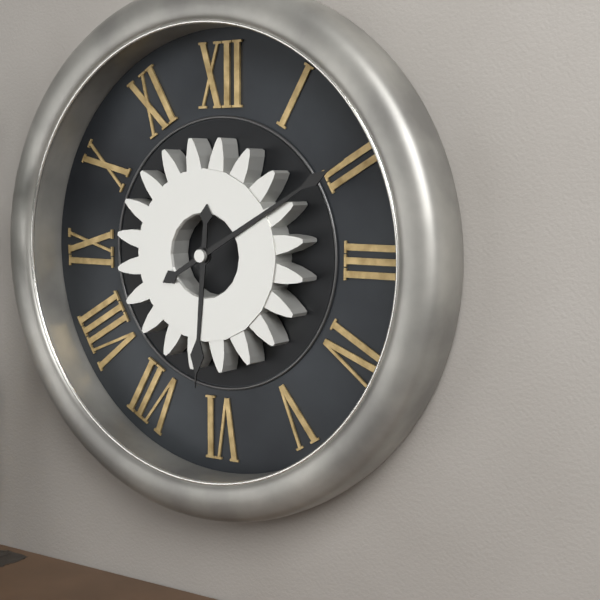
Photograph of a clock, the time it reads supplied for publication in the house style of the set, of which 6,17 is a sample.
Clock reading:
6,10
